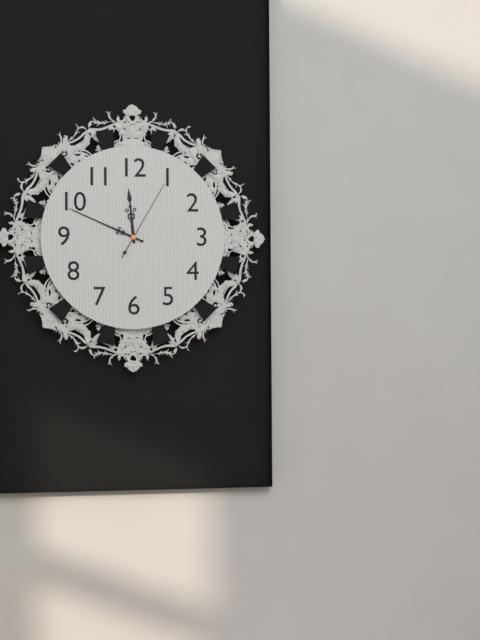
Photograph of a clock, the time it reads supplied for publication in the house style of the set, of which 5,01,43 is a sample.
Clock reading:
11,49,05
